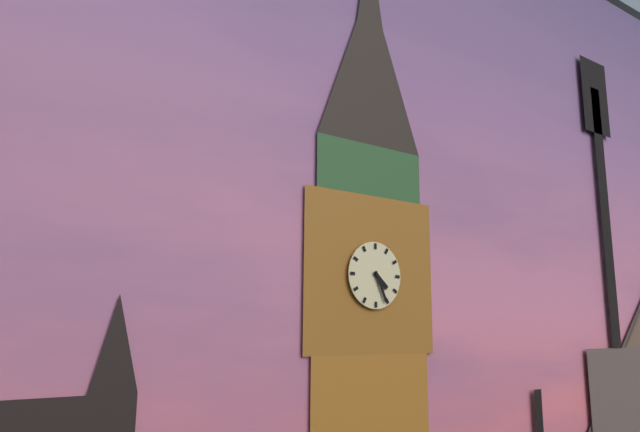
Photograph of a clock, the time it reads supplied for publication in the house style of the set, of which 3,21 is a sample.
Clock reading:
4,26
